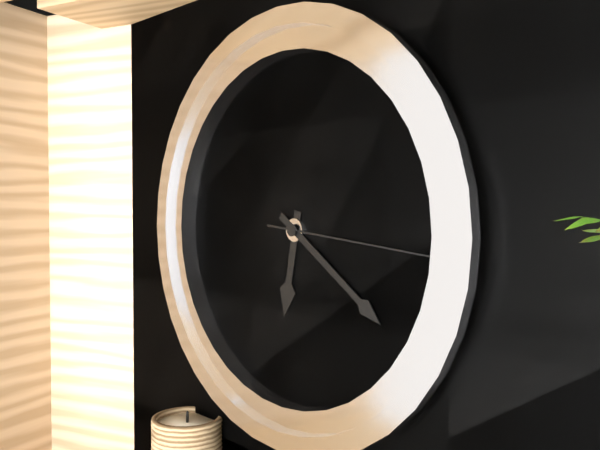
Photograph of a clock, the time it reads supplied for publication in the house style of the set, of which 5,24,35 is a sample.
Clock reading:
6,21,16
